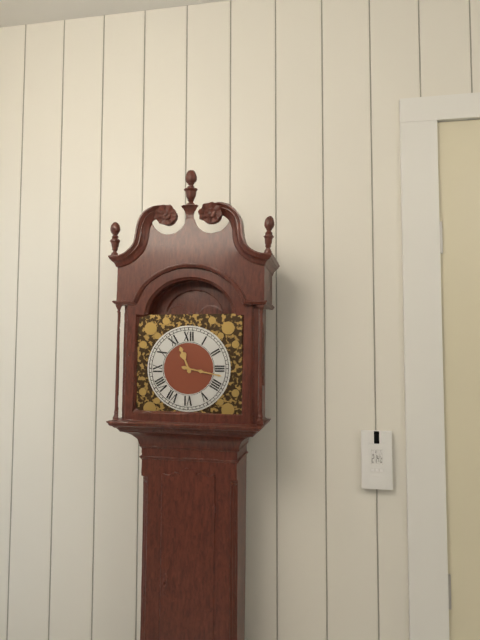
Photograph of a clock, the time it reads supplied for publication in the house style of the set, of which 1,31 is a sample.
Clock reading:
11,17
